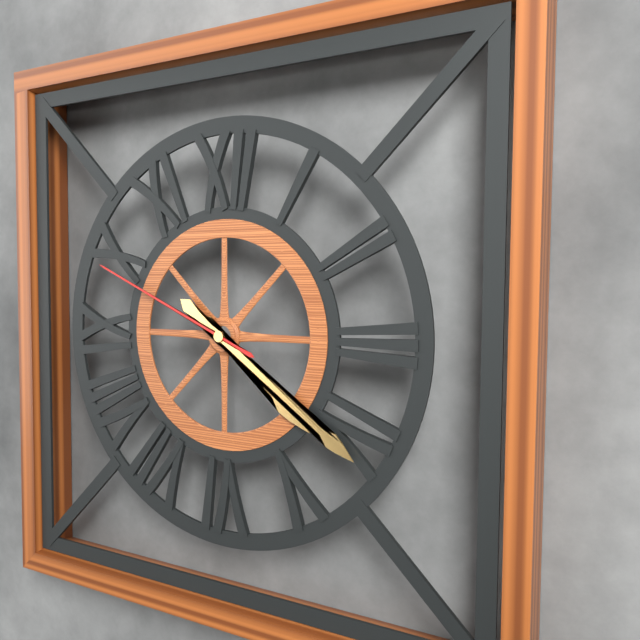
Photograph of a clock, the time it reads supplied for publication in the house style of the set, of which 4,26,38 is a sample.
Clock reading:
4,21,49
